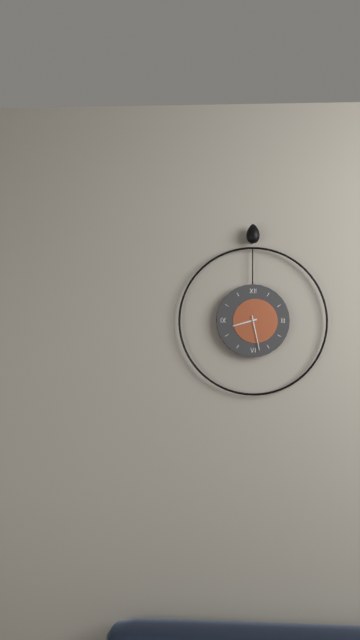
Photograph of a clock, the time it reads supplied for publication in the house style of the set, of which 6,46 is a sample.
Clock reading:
8,28
